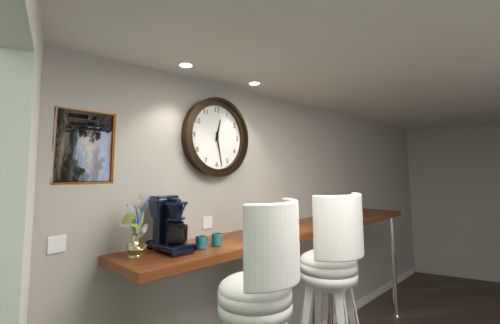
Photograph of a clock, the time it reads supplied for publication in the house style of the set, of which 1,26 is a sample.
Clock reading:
12,28
